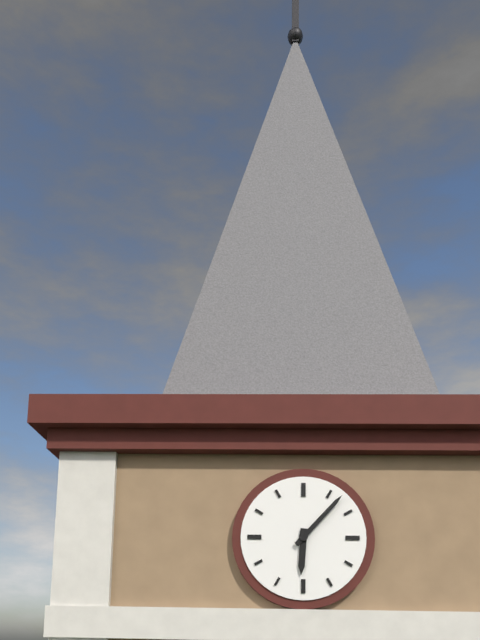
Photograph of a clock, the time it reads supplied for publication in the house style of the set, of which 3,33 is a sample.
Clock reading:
6,07
